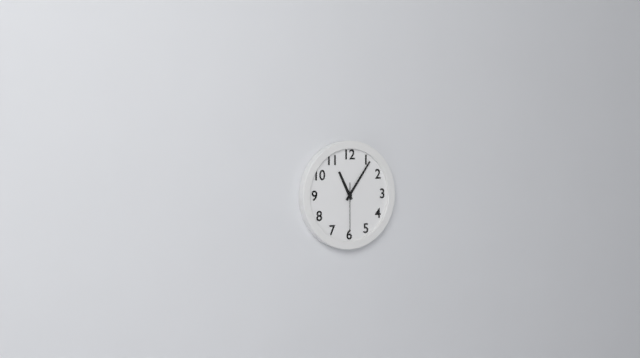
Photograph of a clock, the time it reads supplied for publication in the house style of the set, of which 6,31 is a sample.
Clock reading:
11,06
